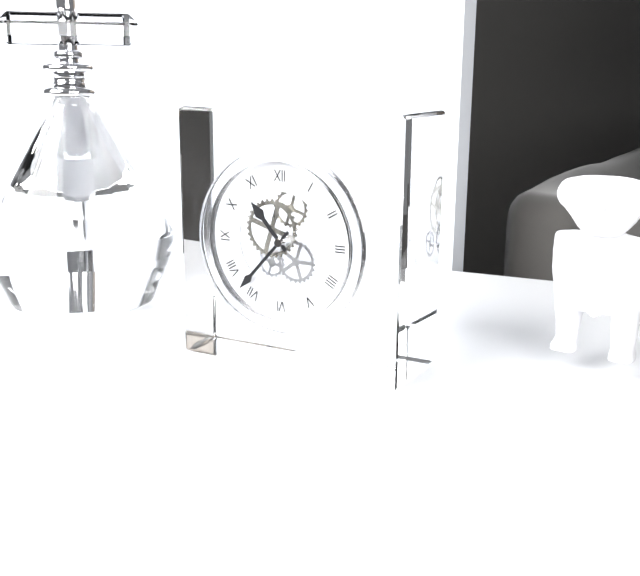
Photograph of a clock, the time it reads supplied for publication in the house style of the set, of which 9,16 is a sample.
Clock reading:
10,37
